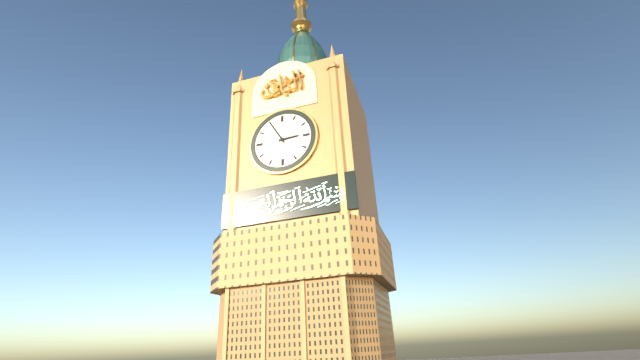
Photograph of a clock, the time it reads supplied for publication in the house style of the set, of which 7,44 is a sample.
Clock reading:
2,55
